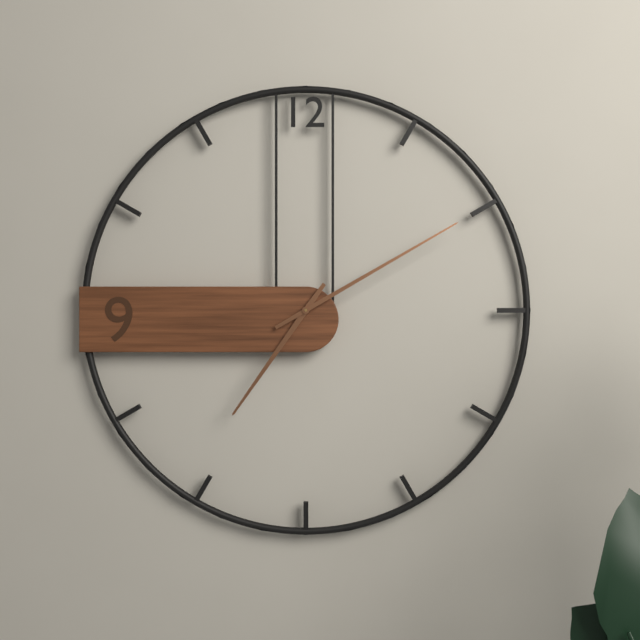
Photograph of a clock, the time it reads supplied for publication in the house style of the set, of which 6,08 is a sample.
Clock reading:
7,10
